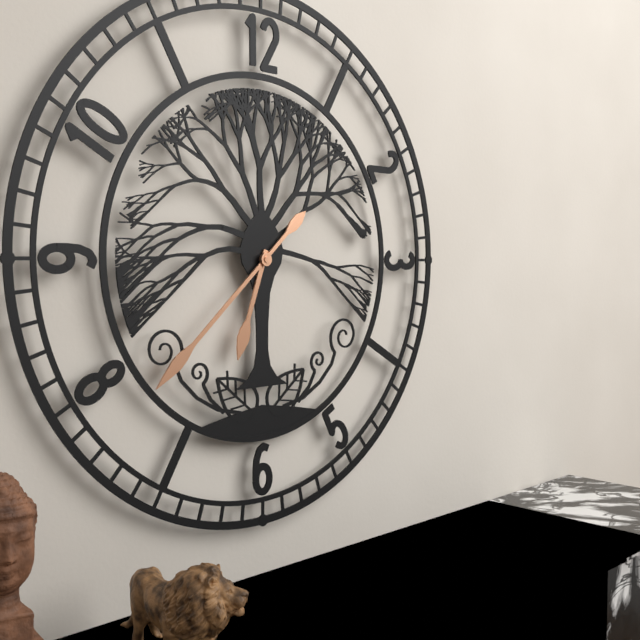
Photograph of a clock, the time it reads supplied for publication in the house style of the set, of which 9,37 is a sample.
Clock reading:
6,38
